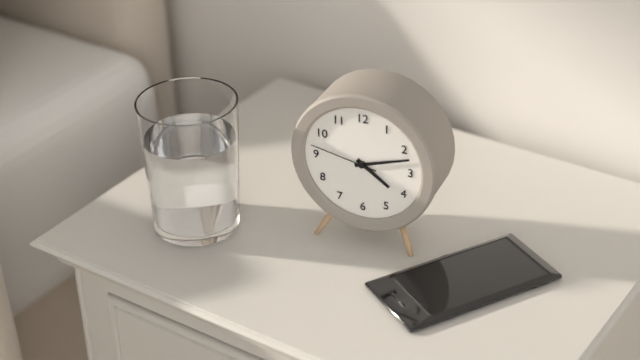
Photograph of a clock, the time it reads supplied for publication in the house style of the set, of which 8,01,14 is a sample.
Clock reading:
4,12,47
